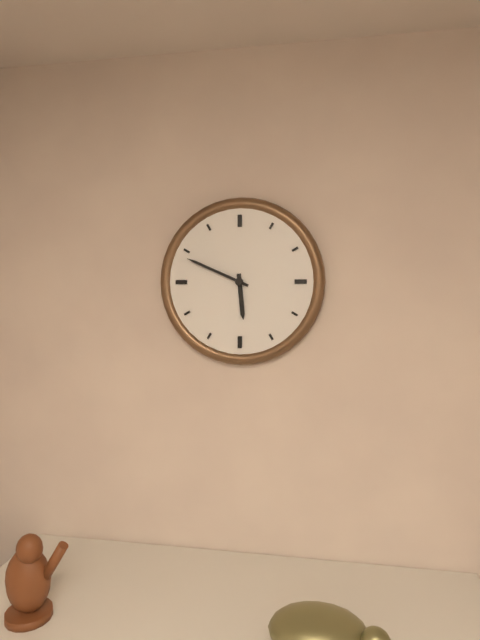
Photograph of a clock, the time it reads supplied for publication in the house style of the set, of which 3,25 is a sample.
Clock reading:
5,49
